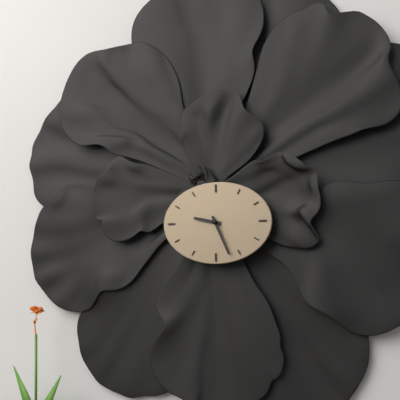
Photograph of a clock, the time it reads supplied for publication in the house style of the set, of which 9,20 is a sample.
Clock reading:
9,26
